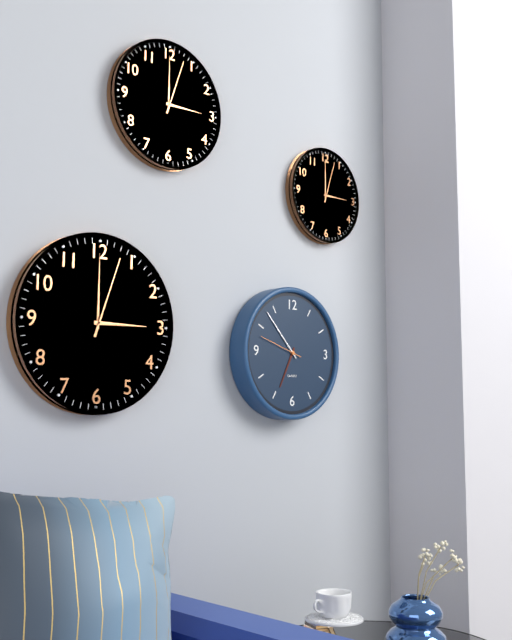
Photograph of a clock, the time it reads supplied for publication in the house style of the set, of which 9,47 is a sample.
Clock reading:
6,53
